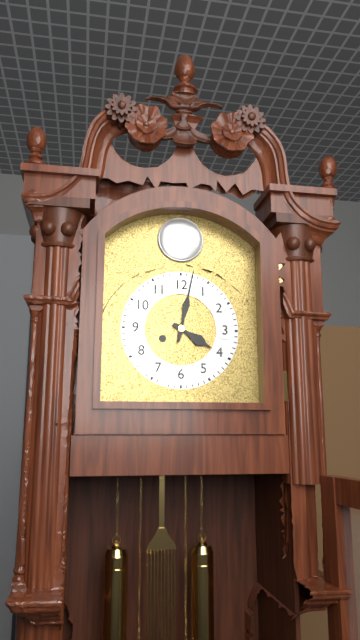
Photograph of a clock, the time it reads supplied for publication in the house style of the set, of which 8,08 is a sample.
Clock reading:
4,02
